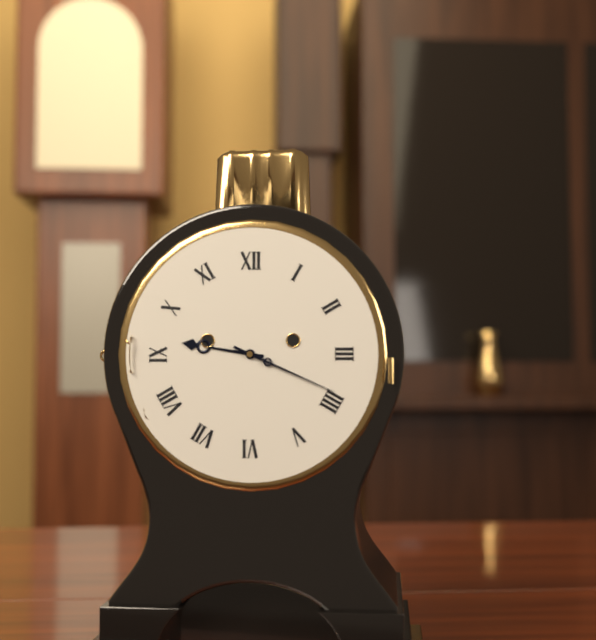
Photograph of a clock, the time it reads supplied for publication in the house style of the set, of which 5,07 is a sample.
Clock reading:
9,19
